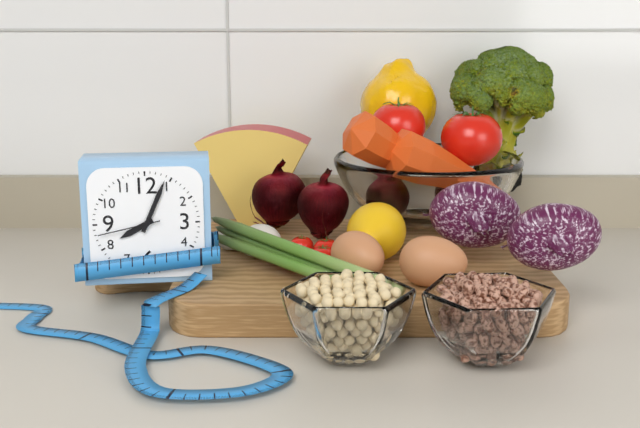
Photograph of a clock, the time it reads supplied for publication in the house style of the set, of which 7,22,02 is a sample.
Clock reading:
8,04,43
